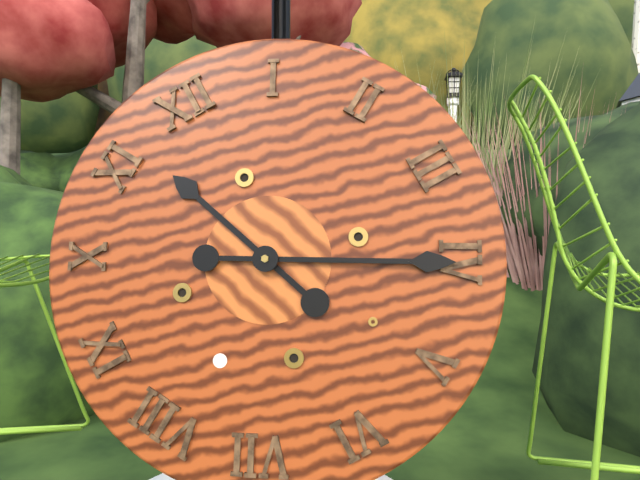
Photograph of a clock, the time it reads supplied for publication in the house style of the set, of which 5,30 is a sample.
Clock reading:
11,20
